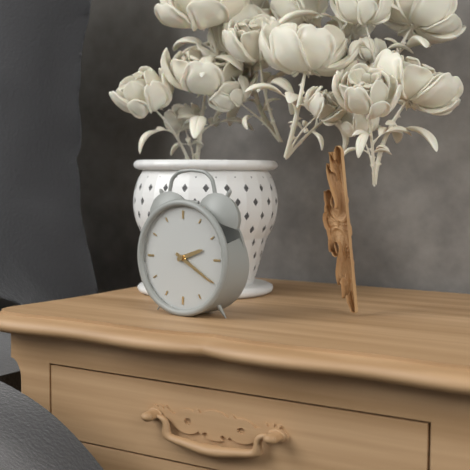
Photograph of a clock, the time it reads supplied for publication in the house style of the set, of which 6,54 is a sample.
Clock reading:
2,20
